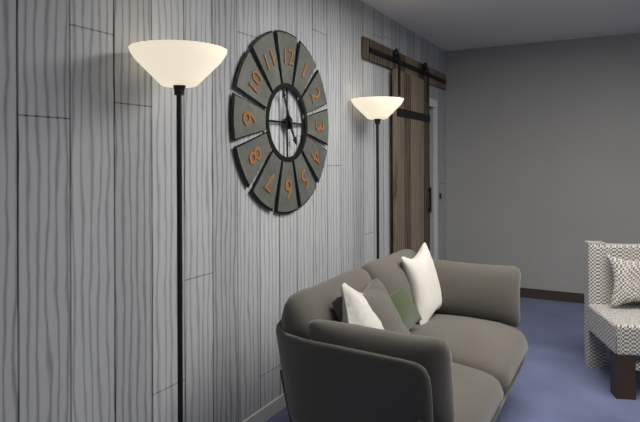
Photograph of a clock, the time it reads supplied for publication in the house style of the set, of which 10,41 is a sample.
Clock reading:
4,56
